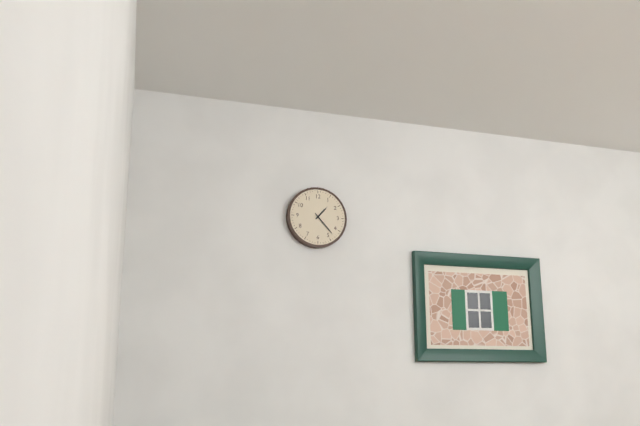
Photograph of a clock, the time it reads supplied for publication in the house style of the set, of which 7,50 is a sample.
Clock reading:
1,23
